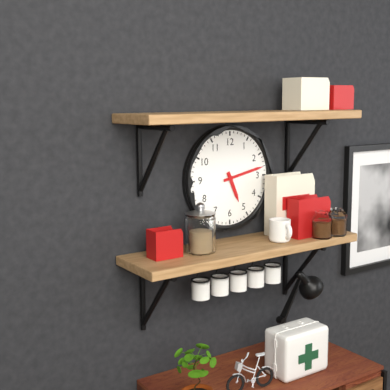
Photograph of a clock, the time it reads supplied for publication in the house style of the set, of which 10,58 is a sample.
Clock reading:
5,13
